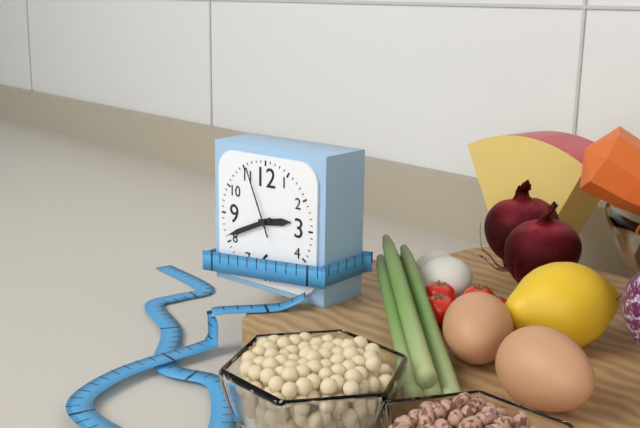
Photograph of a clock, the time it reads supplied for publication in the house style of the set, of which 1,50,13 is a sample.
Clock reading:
2,41,56
